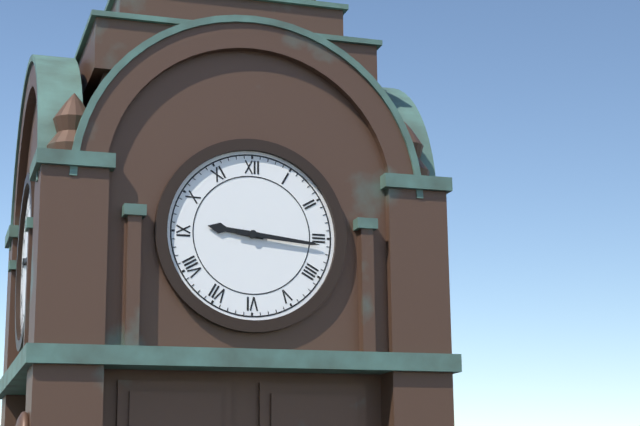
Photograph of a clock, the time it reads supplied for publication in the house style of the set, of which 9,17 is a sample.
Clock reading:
9,16
